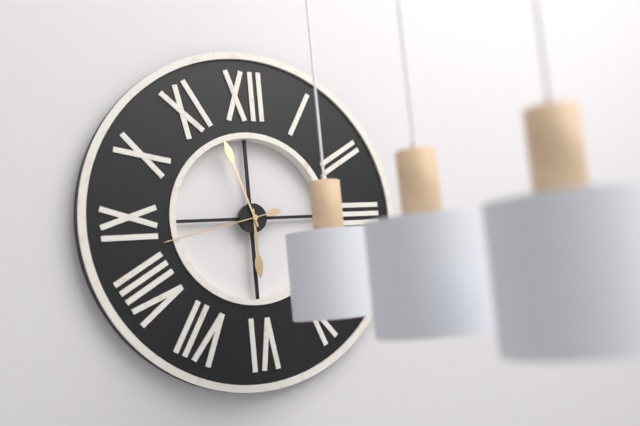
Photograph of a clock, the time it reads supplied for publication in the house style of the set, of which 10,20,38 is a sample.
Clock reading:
5,57,43
